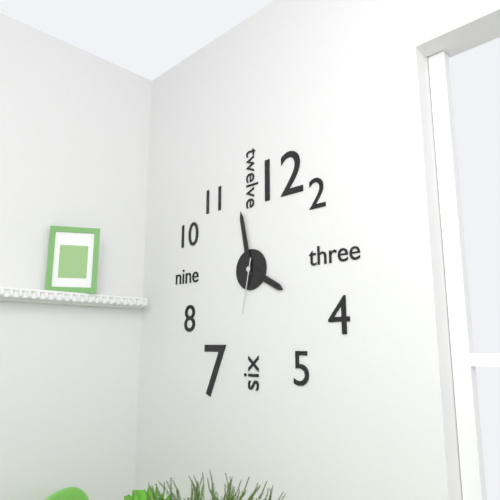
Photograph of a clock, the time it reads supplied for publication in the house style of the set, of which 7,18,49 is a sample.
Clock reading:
3,58,32
